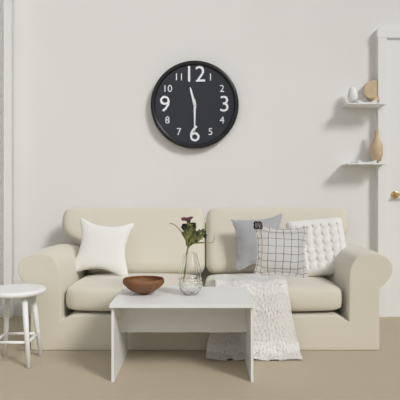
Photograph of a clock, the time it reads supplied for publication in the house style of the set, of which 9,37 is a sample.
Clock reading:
11,30
